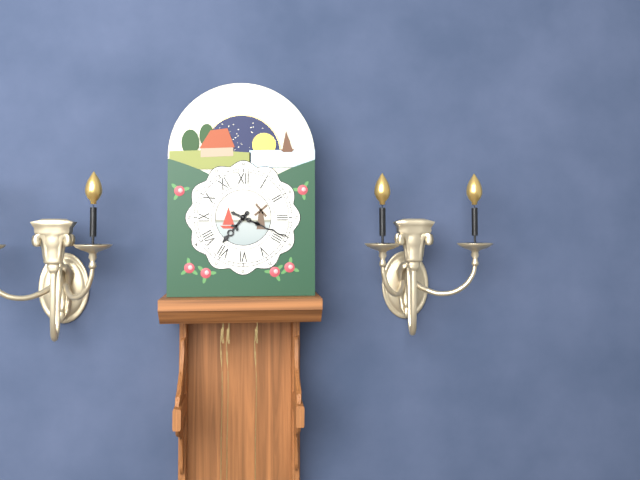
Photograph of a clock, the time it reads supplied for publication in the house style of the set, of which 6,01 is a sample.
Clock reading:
7,19
